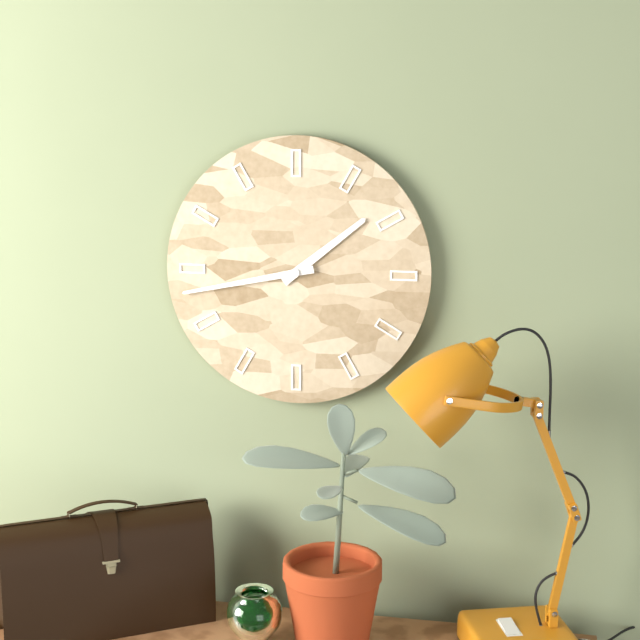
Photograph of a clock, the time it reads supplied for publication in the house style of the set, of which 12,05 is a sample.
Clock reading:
1,43
